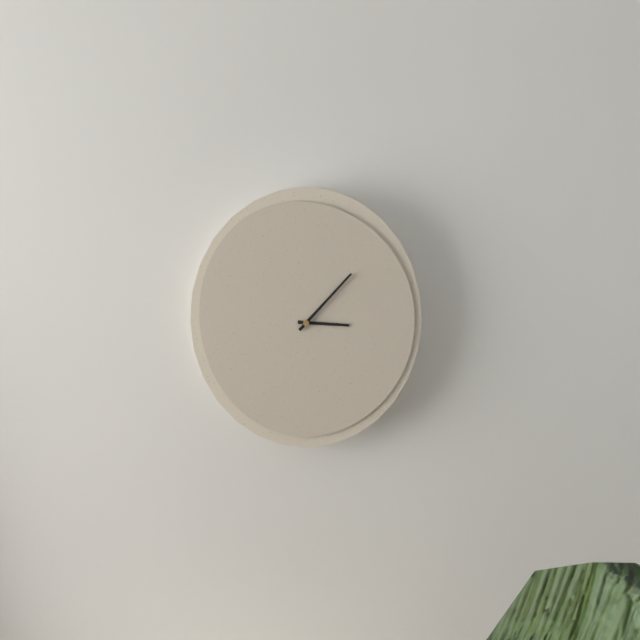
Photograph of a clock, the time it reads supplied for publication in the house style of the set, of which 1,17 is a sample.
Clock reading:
3,07
